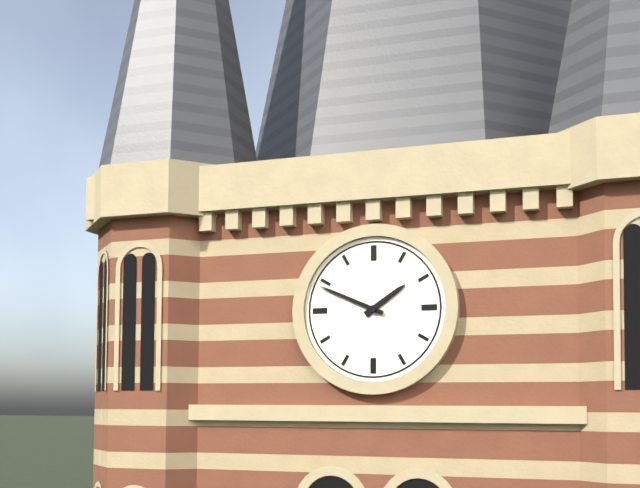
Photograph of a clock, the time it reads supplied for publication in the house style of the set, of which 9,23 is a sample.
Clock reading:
1,49
